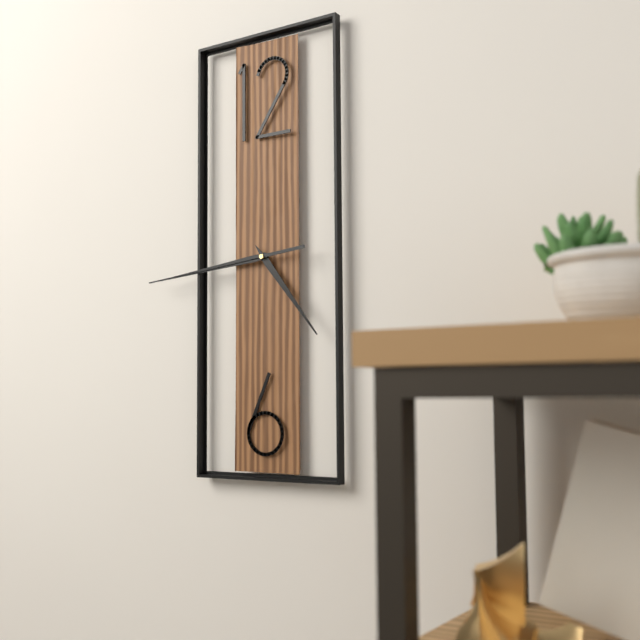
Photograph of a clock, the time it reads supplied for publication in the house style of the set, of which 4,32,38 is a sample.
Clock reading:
4,44,44
